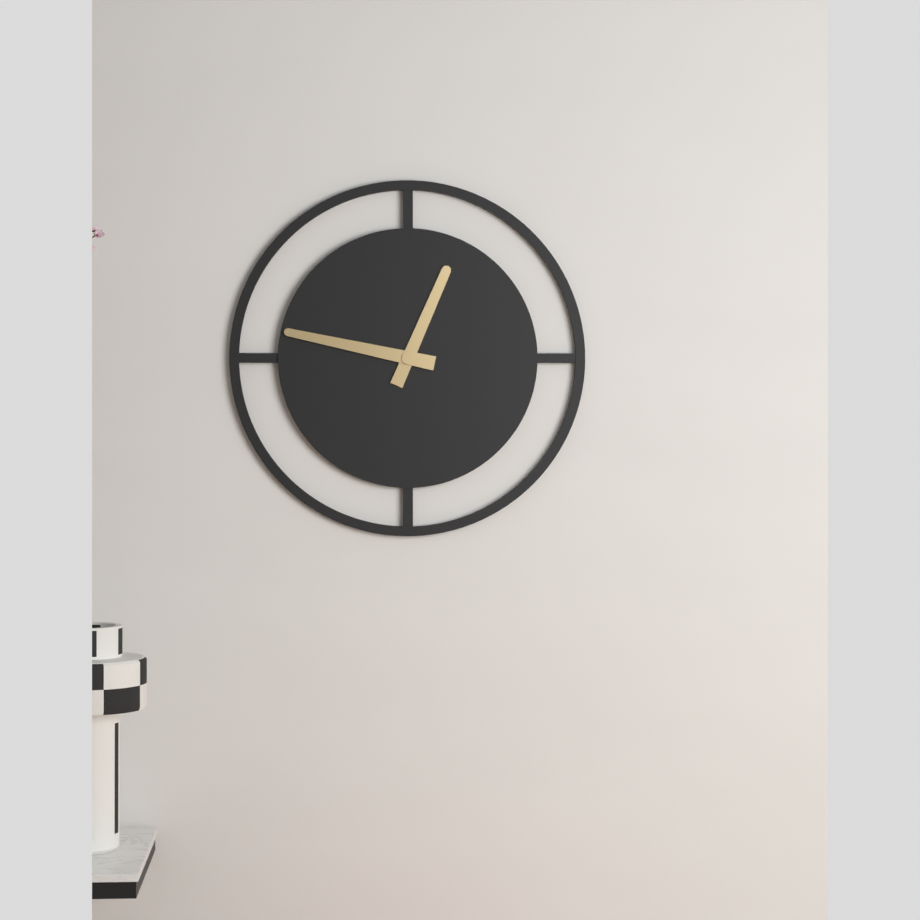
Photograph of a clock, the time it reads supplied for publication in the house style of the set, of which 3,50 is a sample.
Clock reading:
12,47
